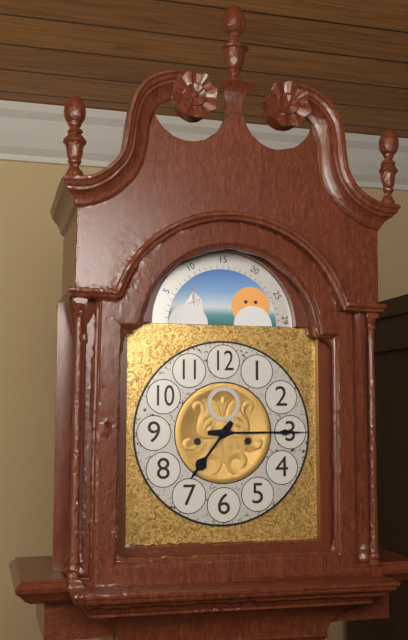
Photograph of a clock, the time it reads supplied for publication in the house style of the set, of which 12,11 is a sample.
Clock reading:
7,15
